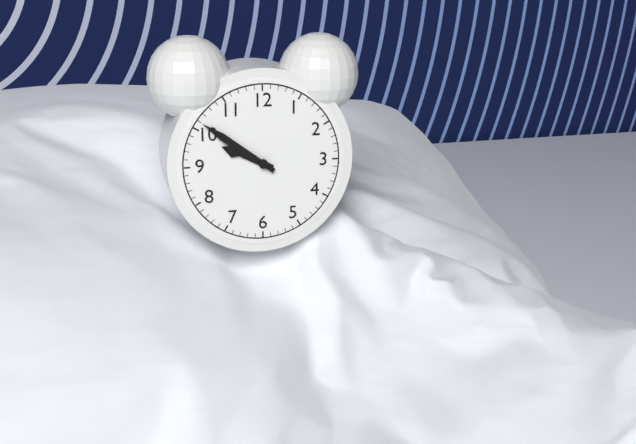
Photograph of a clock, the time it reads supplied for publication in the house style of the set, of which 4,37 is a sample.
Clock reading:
9,51
